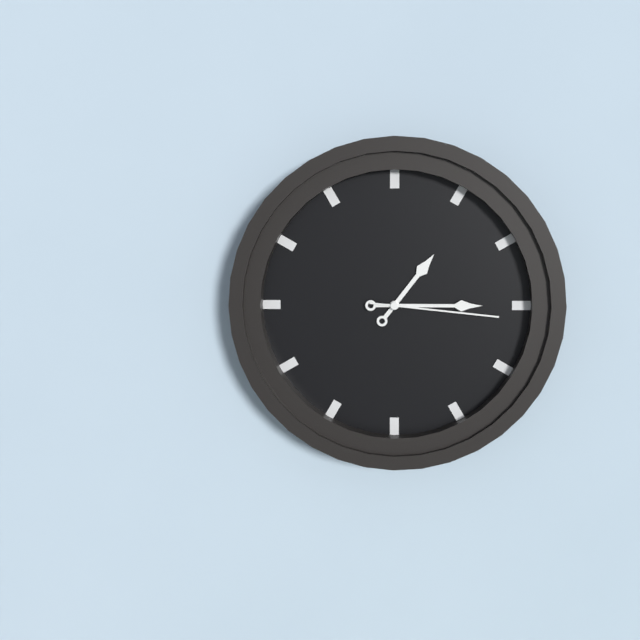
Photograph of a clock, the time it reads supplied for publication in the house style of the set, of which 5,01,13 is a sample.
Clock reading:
1,15,16
